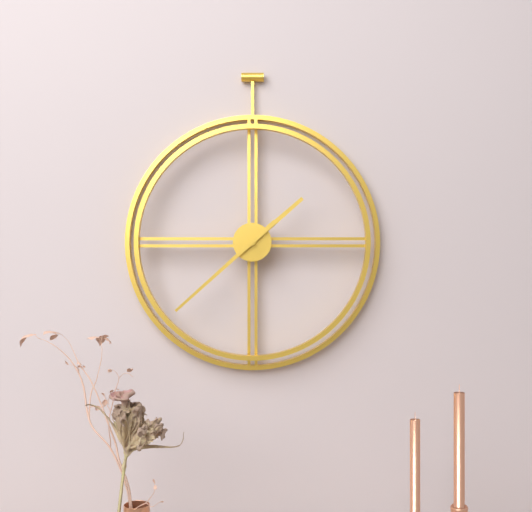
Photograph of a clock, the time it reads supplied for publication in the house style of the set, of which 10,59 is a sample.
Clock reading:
1,38
